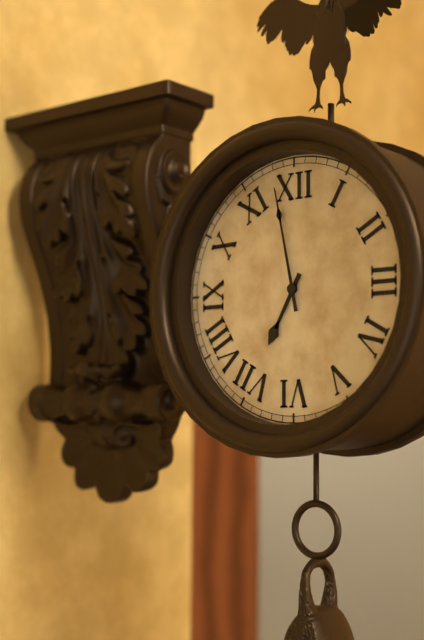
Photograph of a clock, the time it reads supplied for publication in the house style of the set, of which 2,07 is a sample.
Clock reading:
6,58
